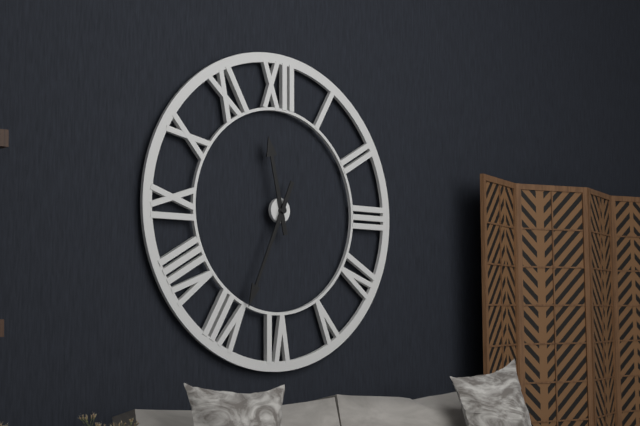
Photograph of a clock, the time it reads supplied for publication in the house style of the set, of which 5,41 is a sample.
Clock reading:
11,34
